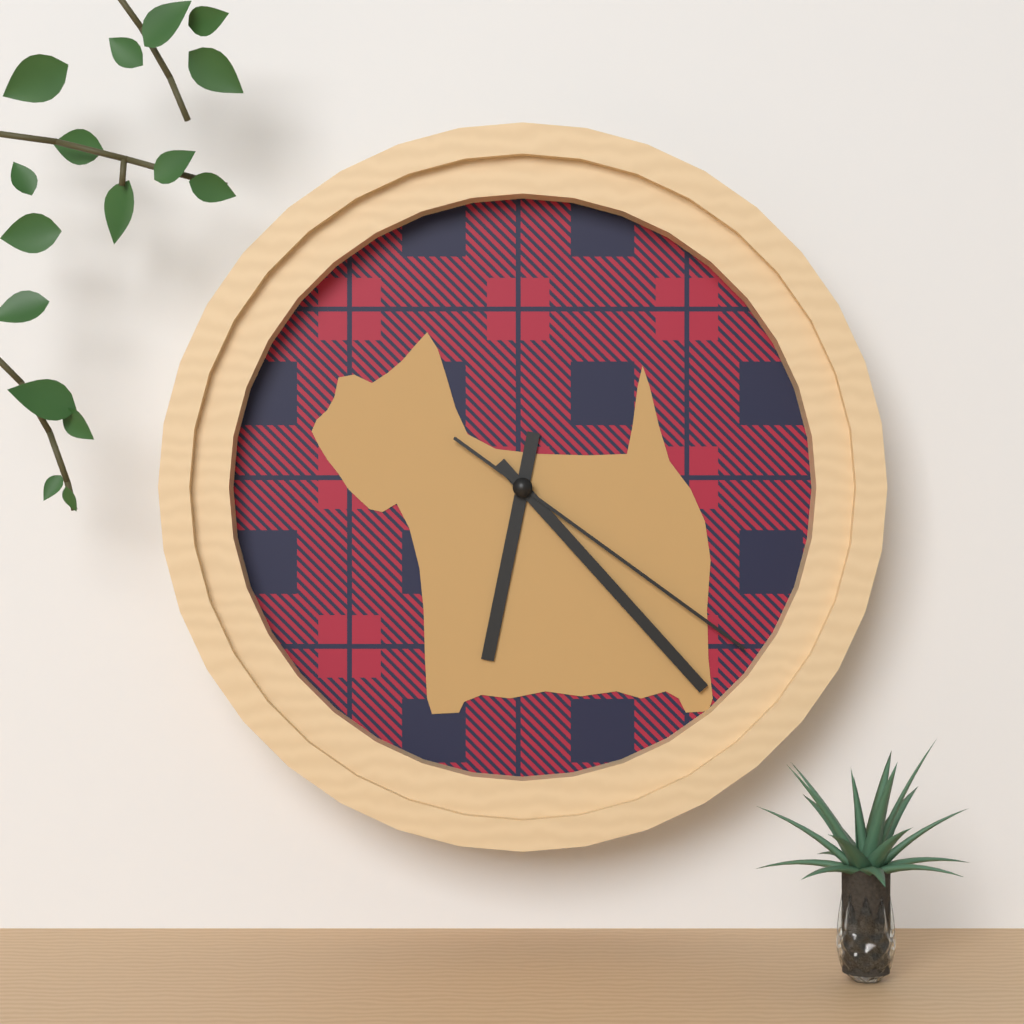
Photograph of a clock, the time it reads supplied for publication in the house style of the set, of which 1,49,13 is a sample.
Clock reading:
6,23,21
